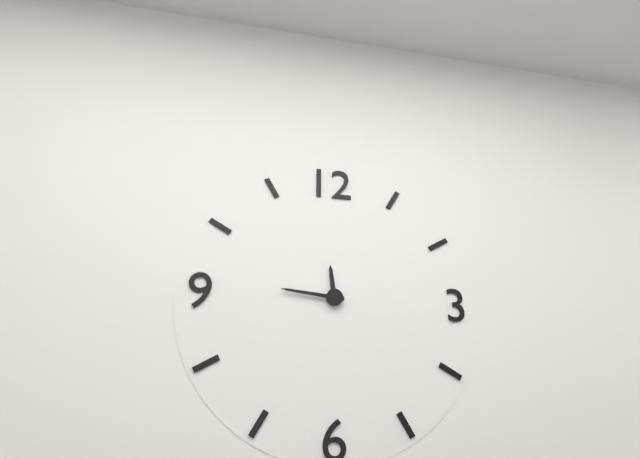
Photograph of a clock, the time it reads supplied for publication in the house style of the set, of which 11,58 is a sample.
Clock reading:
11,46
